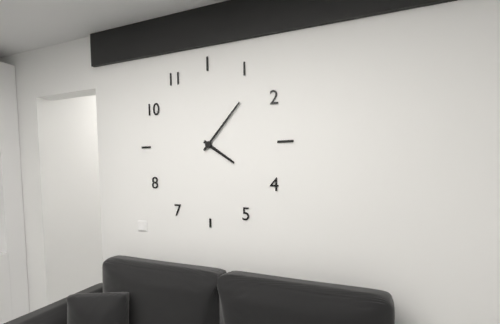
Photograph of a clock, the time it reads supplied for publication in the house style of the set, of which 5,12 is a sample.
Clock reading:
4,07
